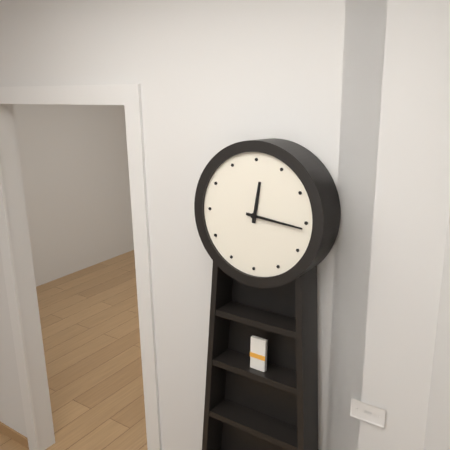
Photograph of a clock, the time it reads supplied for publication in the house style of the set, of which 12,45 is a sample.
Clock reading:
12,16
